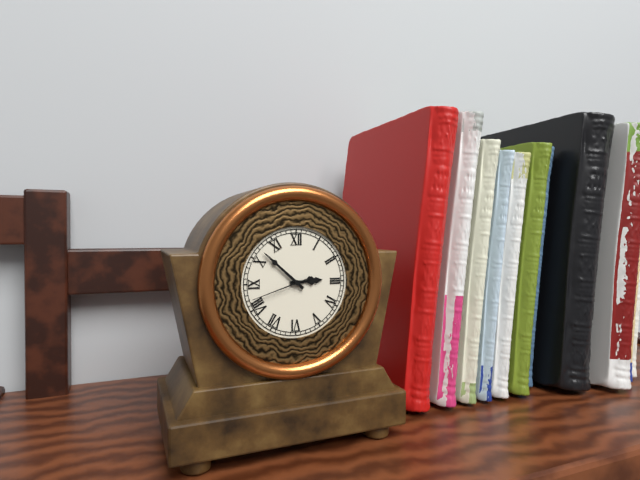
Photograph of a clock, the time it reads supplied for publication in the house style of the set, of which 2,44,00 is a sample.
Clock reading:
2,52,42
